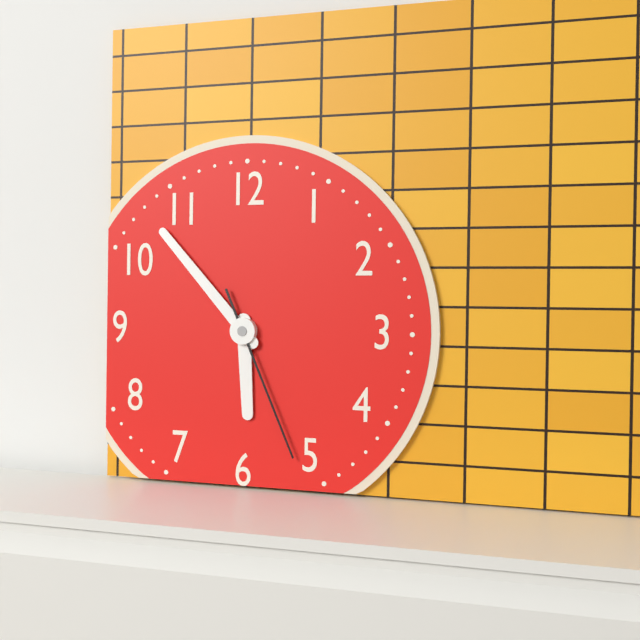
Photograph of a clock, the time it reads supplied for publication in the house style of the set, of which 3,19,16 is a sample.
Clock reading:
5,53,26
